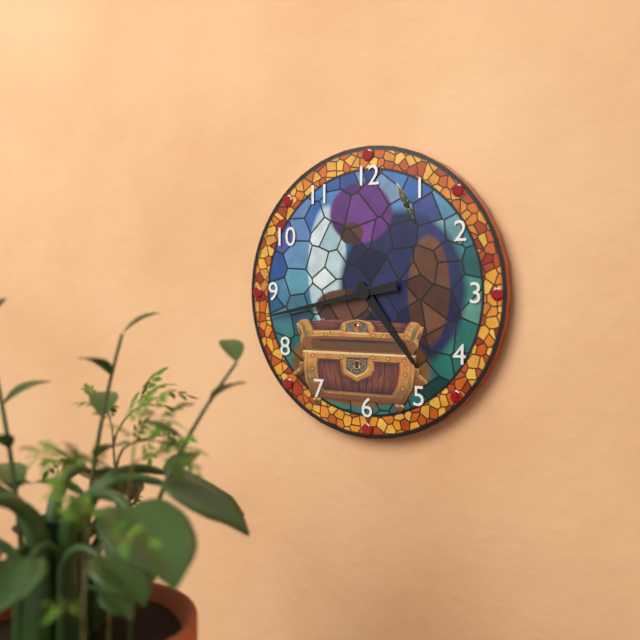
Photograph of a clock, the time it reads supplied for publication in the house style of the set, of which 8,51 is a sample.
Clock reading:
4,43
